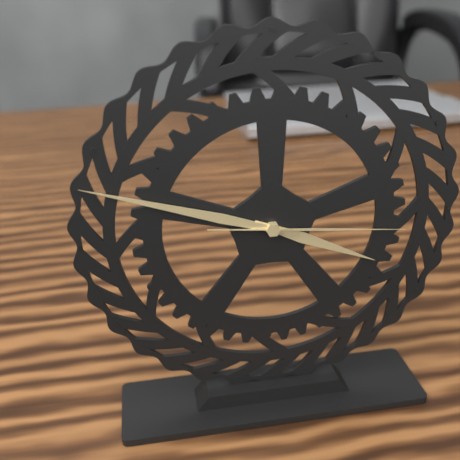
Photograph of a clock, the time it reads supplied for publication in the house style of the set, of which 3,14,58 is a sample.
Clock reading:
3,48,16
